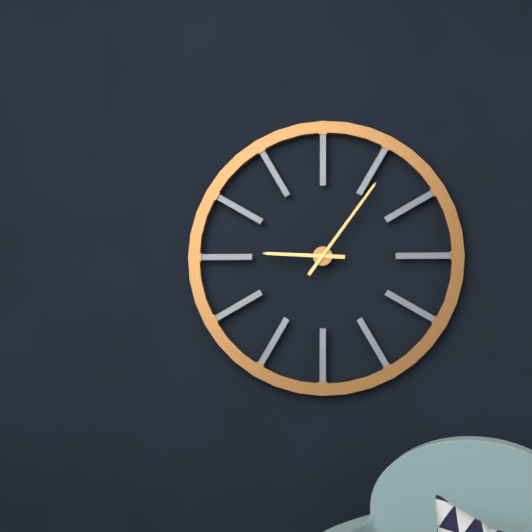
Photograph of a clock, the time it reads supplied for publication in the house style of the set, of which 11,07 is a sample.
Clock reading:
9,06
